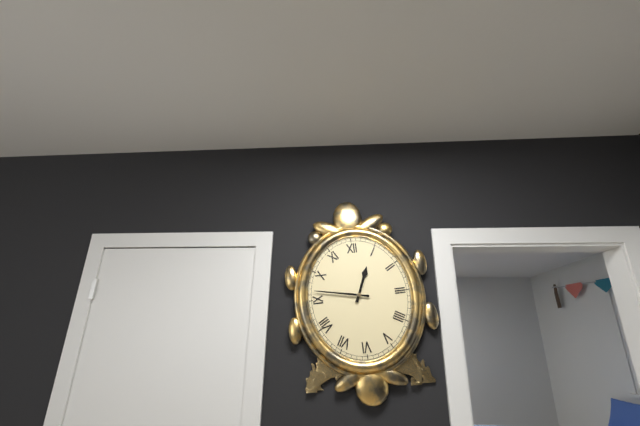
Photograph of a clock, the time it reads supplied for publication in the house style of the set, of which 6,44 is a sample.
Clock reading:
12,47
